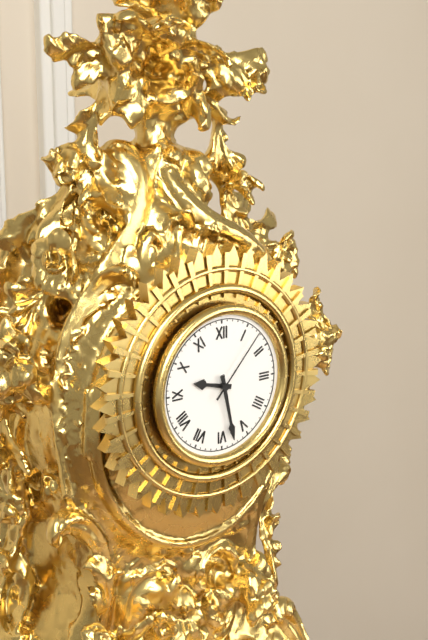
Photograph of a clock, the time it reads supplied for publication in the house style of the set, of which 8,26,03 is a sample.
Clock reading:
9,28,07
